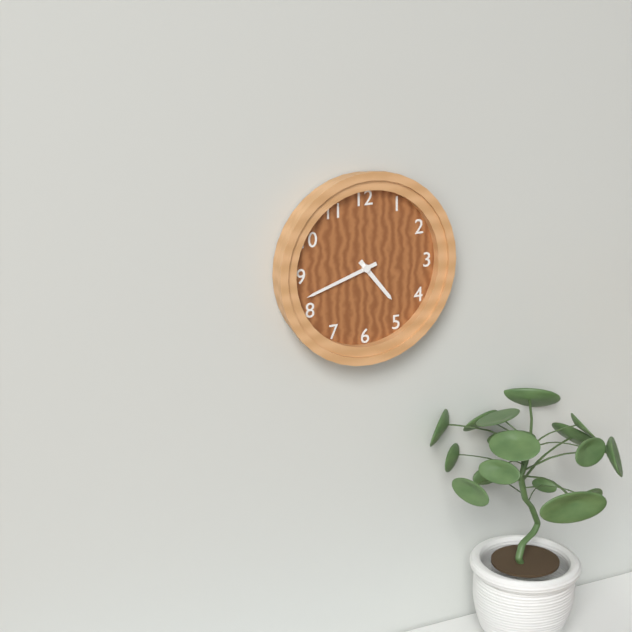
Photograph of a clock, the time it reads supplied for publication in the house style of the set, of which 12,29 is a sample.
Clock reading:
4,42
